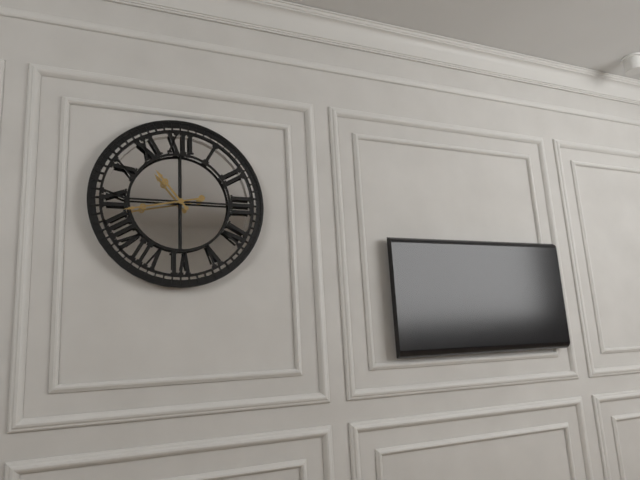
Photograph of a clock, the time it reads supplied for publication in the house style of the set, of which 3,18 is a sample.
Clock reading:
10,43
